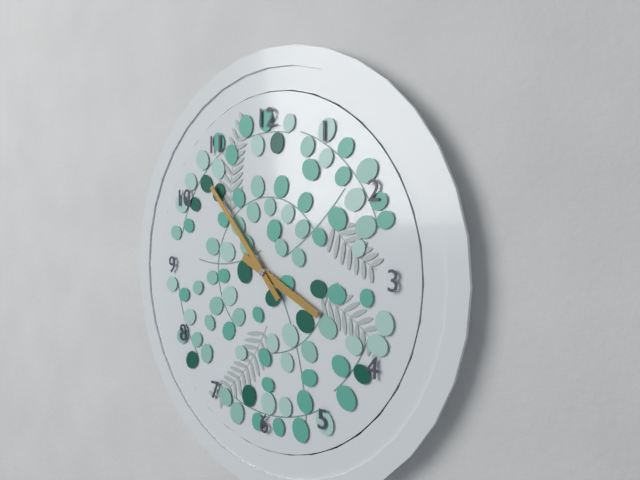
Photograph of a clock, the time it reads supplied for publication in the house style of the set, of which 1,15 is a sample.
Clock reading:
3,53
